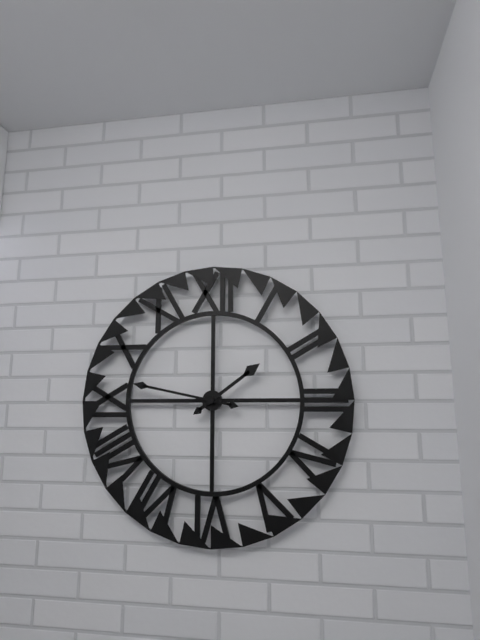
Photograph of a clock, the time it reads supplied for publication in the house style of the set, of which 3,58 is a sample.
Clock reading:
1,47
